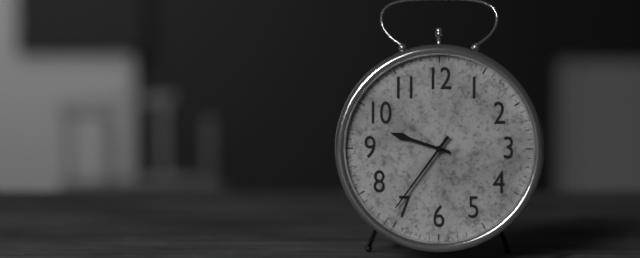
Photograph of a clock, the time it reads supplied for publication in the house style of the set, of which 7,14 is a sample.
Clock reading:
9,36
